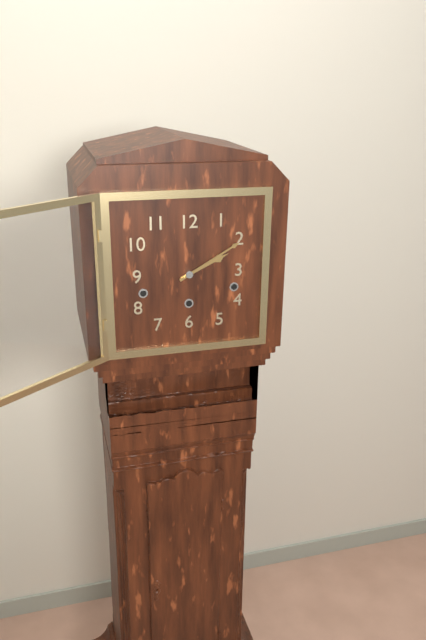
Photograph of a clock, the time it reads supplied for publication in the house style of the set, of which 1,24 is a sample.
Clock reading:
2,10
